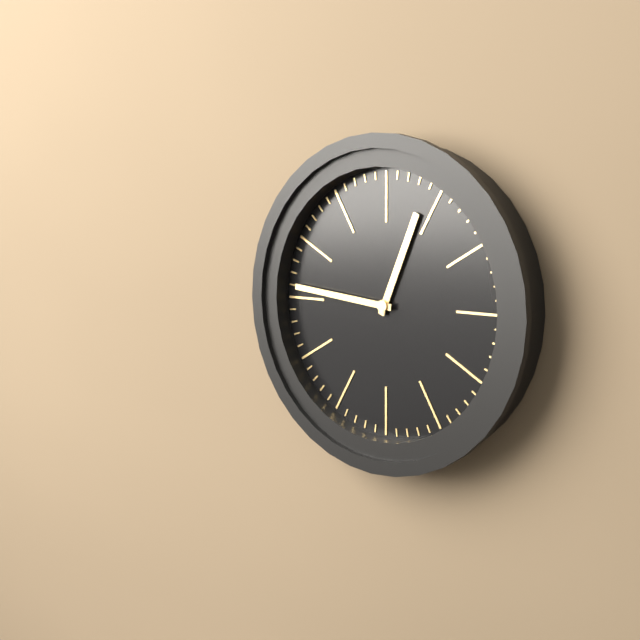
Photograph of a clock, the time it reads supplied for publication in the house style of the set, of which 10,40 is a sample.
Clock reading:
12,46
